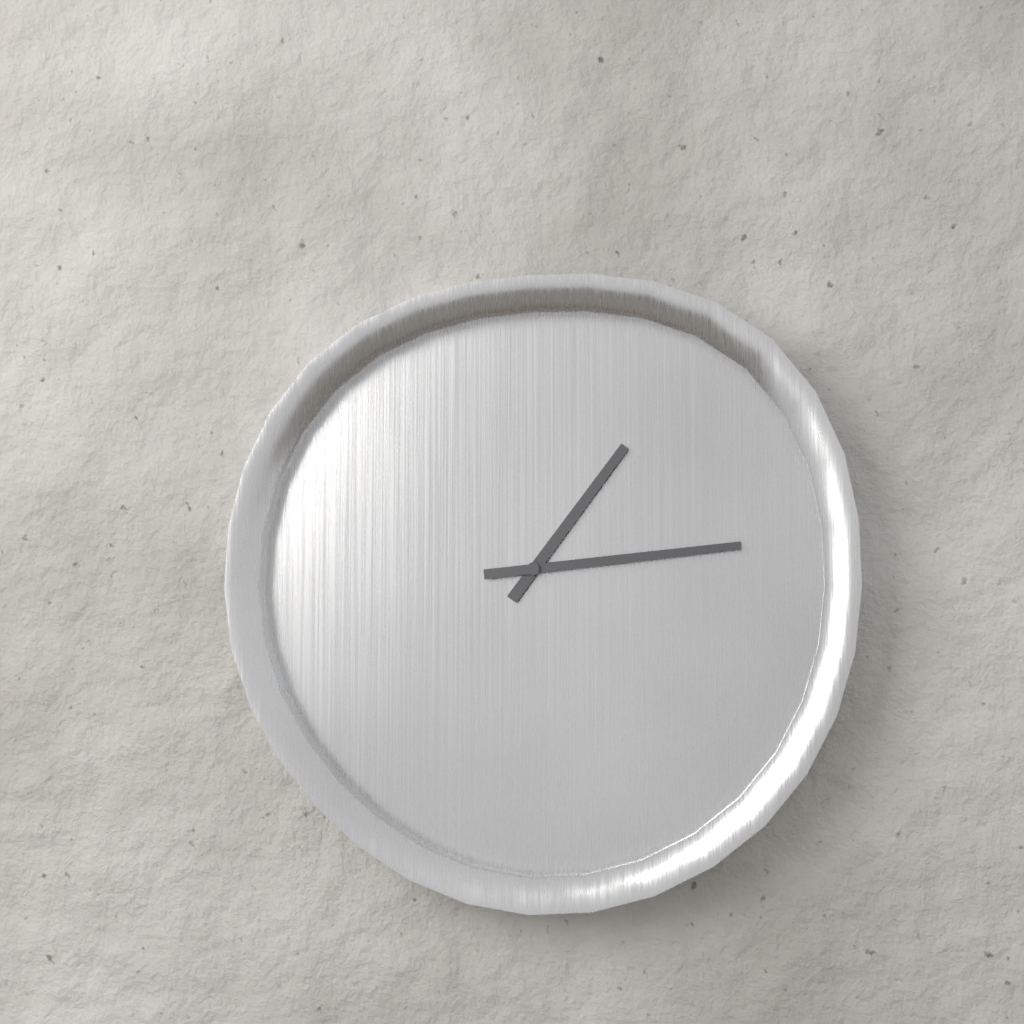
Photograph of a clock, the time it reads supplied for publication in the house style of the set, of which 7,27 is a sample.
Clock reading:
1,14
